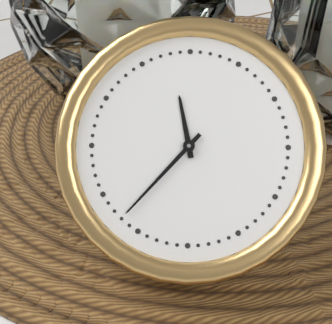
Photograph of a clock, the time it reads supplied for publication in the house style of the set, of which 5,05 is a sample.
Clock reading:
11,37
